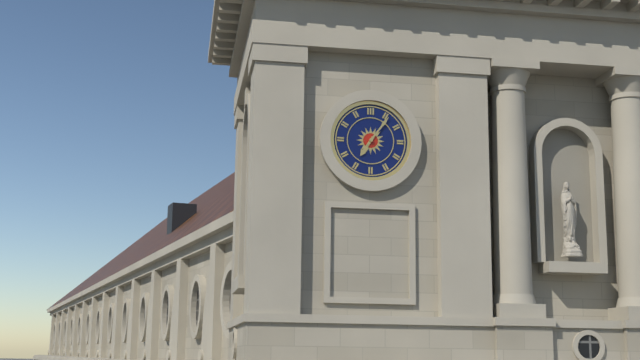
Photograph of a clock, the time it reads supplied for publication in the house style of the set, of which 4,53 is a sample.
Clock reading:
7,06
